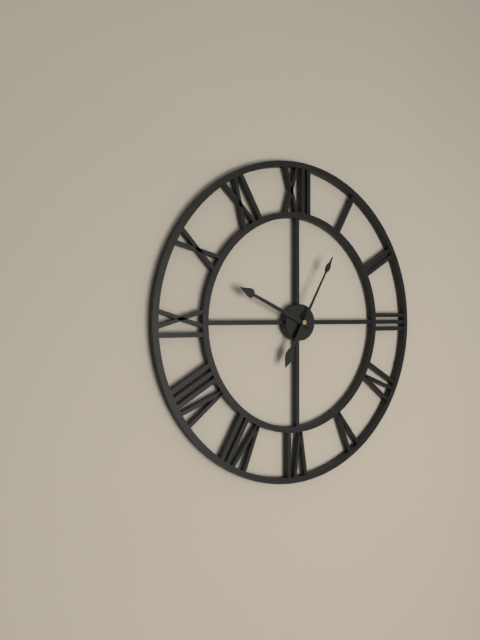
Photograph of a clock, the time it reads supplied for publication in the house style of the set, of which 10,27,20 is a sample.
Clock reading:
6,49,05
